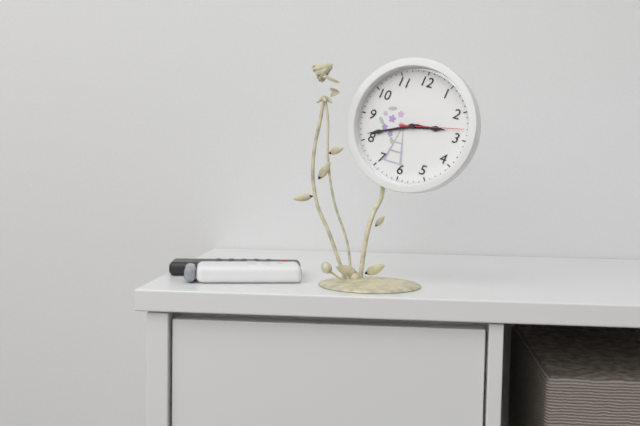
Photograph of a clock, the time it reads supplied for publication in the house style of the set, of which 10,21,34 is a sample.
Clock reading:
2,41,13
